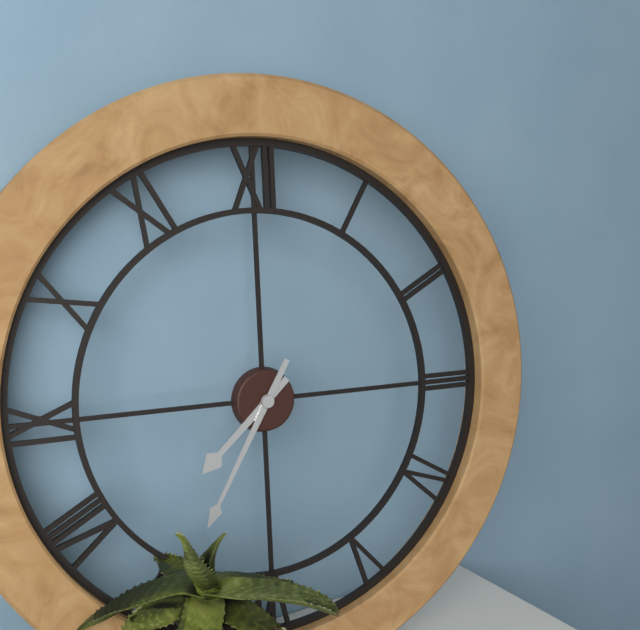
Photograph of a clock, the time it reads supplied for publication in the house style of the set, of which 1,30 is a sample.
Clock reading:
7,35
